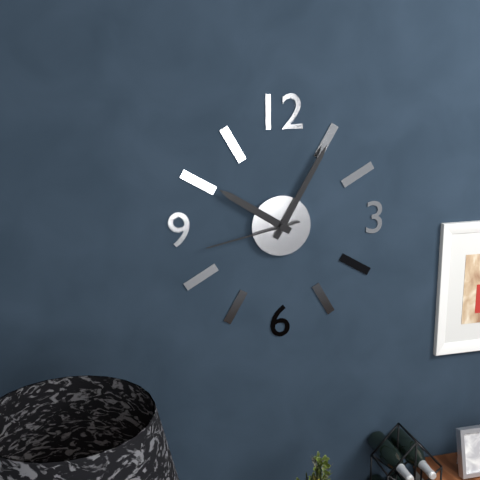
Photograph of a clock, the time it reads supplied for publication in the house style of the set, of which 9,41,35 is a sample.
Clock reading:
10,05,43
